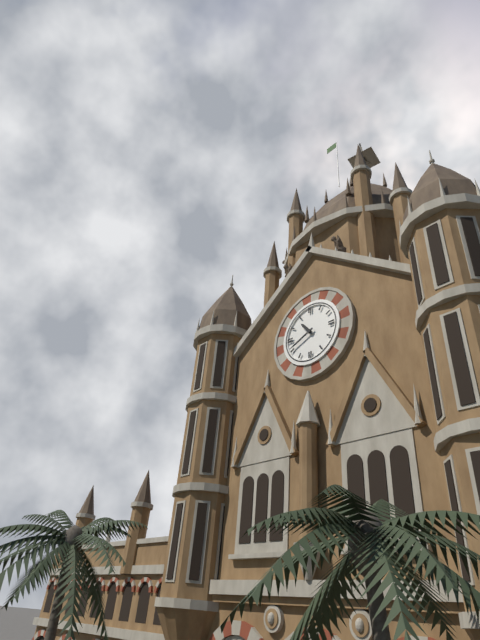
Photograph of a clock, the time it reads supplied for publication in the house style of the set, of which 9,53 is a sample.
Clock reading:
10,41
